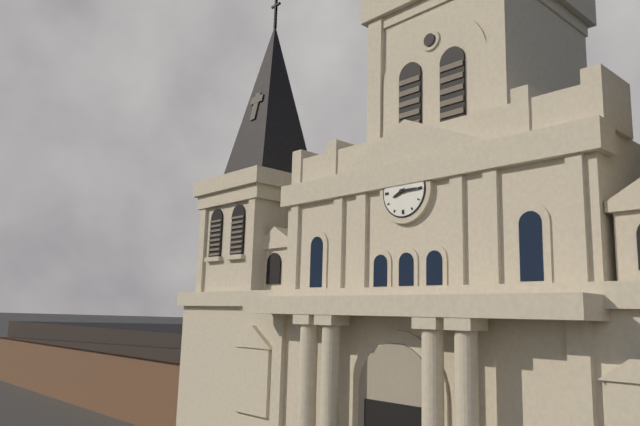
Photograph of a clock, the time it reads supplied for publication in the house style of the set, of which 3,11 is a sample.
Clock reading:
8,15
